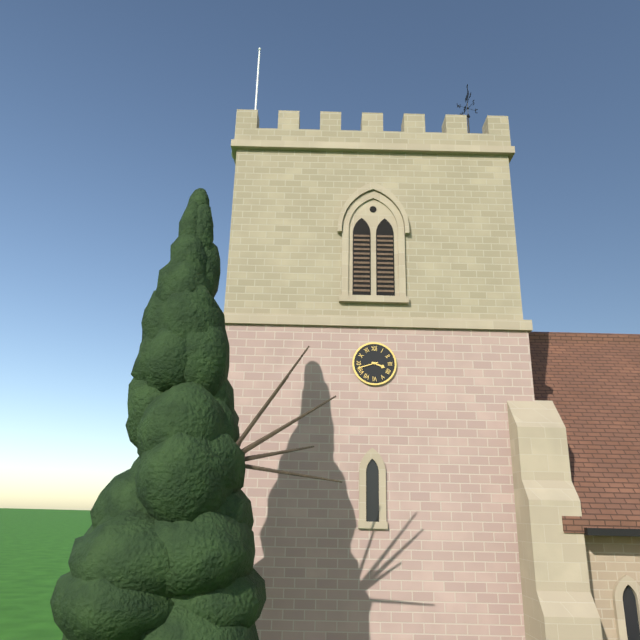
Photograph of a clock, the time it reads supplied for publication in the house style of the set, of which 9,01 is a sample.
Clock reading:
3,42
